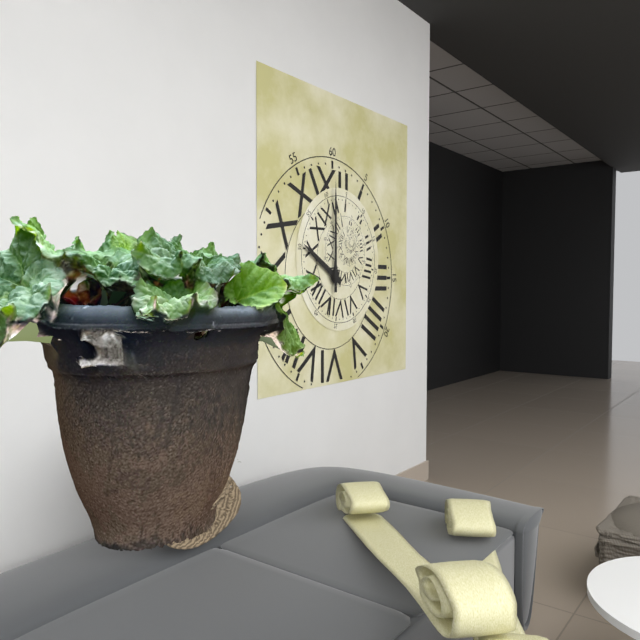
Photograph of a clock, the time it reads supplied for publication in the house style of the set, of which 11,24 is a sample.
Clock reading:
10,00
